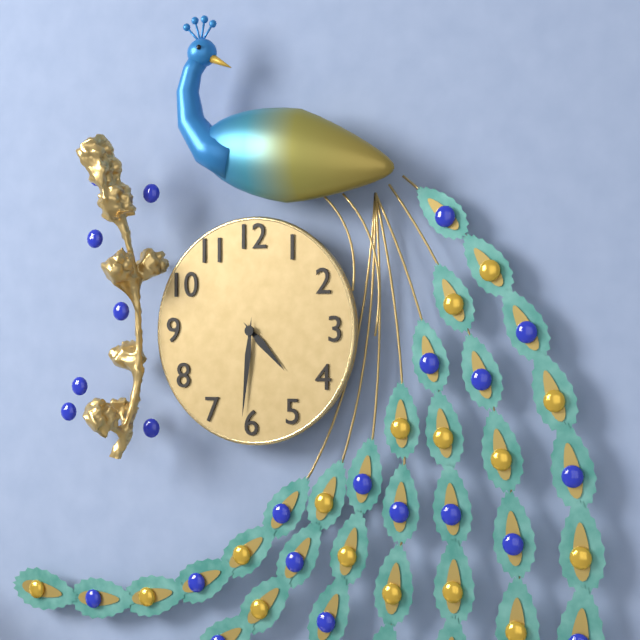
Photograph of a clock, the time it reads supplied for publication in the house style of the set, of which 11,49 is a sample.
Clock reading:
4,31
